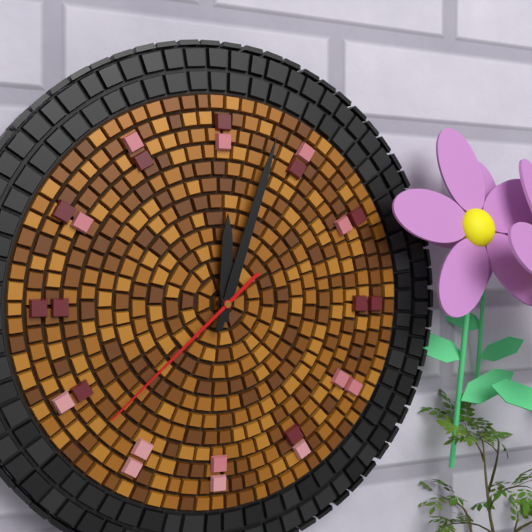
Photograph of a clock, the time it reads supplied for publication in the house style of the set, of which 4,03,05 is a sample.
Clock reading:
12,03,38
